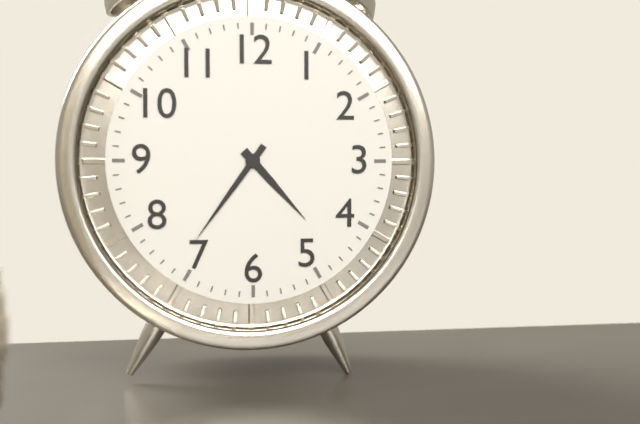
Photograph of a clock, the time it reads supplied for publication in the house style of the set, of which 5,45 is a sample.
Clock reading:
4,36
